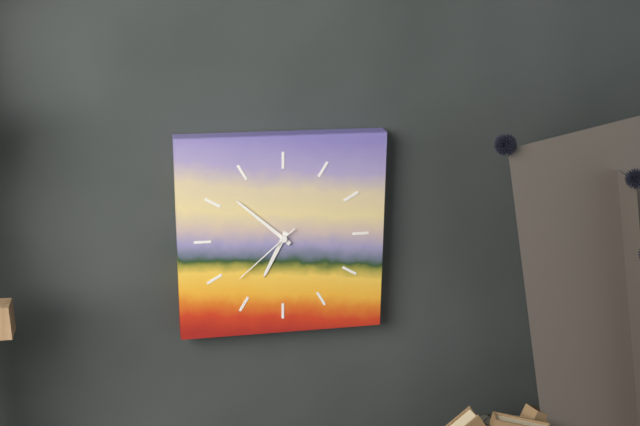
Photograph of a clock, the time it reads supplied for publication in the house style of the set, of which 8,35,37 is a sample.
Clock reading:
6,52,38
